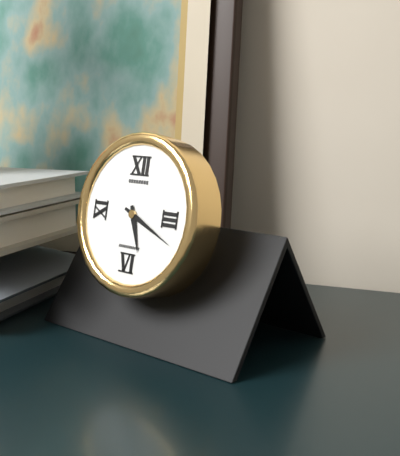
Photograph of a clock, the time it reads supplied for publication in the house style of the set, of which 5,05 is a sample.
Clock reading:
5,19
